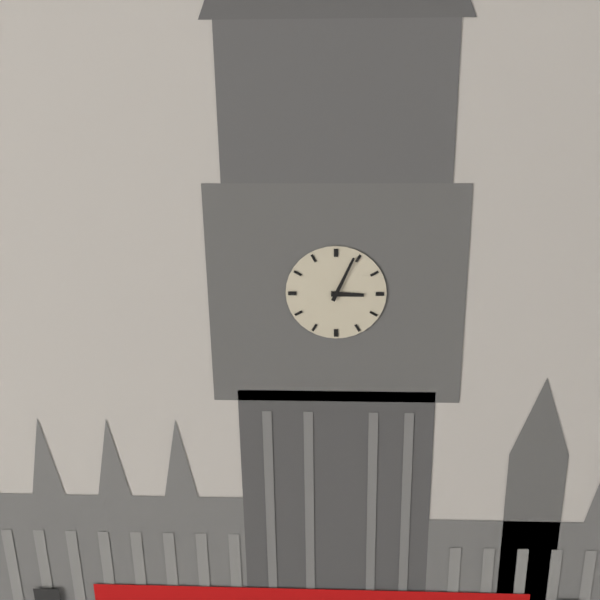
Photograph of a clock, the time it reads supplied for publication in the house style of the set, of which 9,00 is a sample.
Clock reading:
3,04
